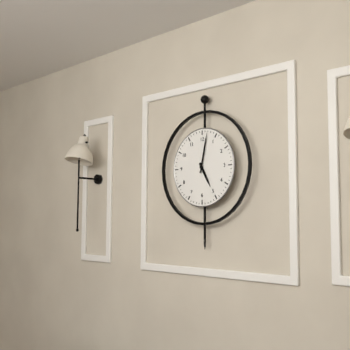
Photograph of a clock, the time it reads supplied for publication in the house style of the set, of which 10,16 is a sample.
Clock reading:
5,02
